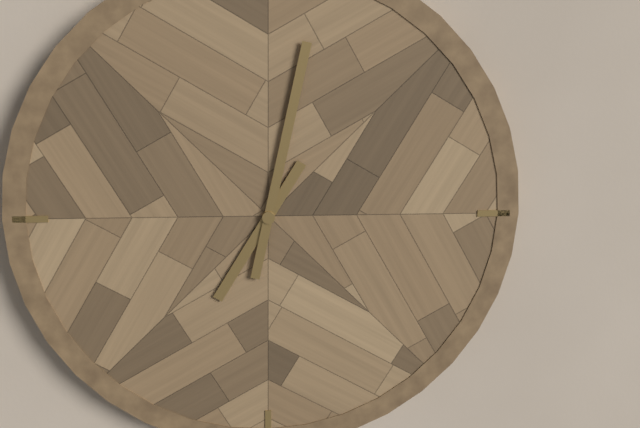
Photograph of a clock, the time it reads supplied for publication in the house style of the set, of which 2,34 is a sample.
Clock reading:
7,02
